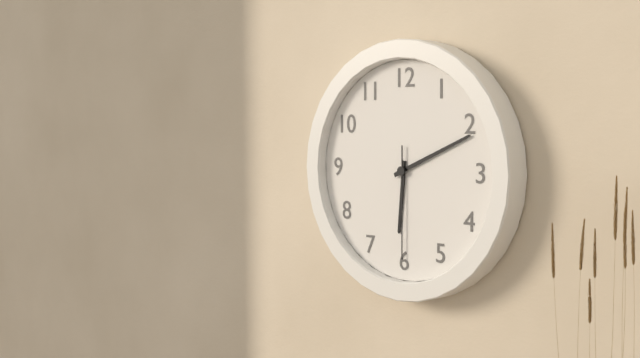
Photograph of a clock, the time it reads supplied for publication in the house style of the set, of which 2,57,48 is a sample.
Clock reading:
6,11,30
